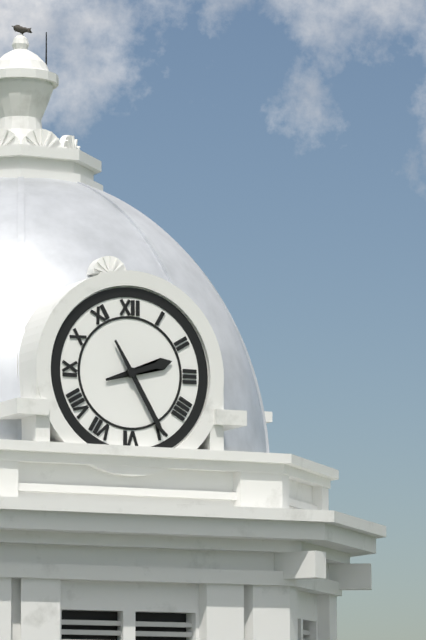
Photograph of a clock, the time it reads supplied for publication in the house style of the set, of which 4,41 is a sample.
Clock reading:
2,25
